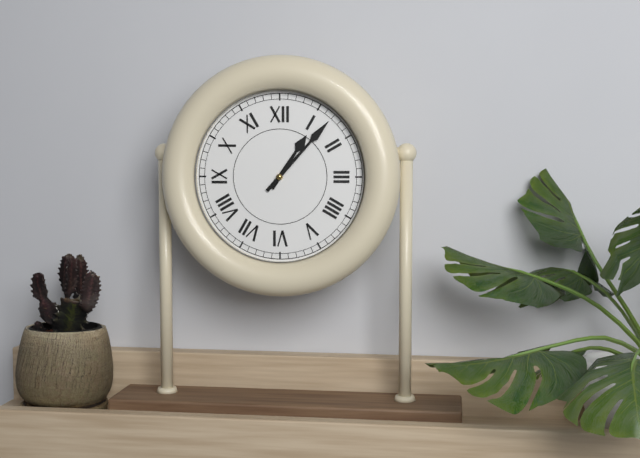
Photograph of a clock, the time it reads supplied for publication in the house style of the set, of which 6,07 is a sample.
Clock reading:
1,07
